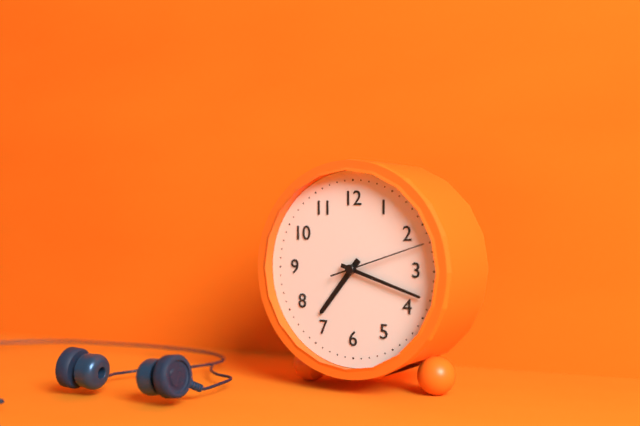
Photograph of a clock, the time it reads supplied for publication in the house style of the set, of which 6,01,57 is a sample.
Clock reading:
7,18,12
